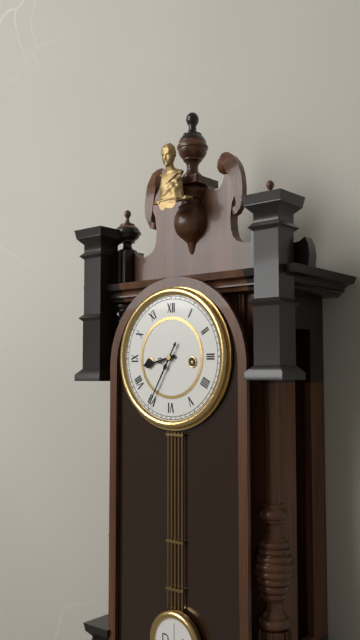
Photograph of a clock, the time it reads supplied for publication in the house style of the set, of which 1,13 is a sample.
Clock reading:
8,35
